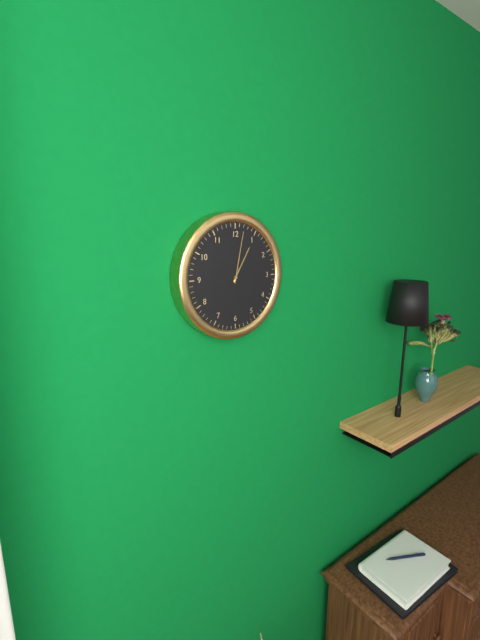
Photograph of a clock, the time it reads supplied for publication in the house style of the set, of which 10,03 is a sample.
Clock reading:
1,02
